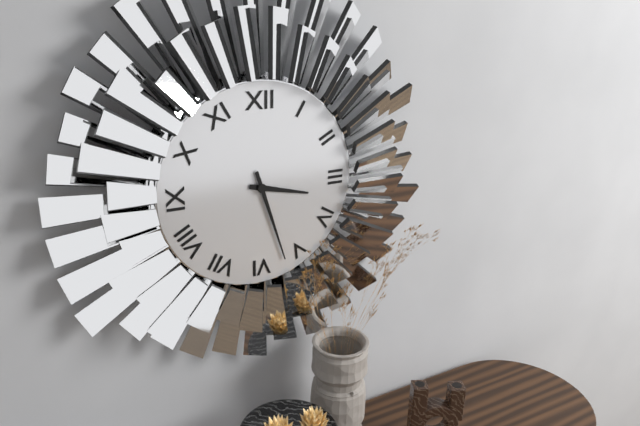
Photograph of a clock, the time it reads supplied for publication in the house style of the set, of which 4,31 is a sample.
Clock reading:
3,27
